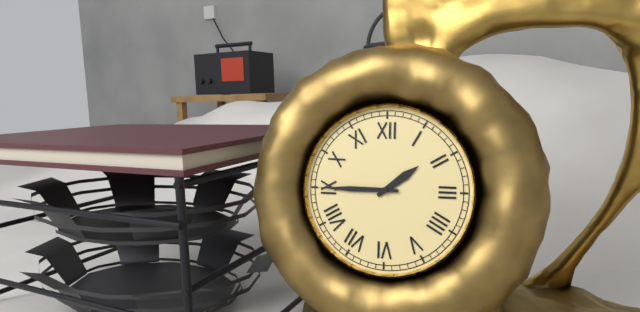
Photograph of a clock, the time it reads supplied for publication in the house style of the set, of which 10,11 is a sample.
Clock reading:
1,45
